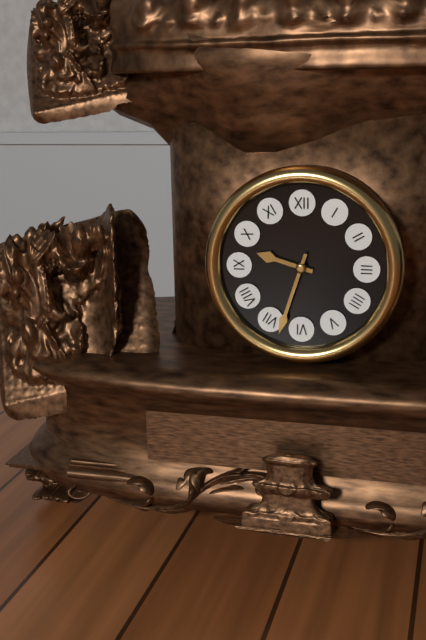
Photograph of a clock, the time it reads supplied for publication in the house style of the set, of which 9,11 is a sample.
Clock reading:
9,33
